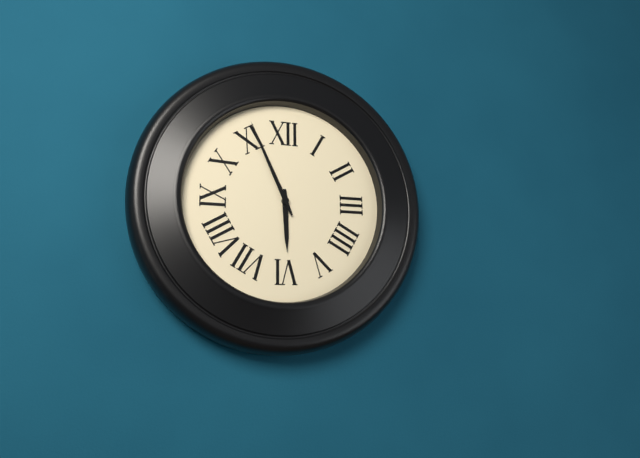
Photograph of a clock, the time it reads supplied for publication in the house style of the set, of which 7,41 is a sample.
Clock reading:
5,56
